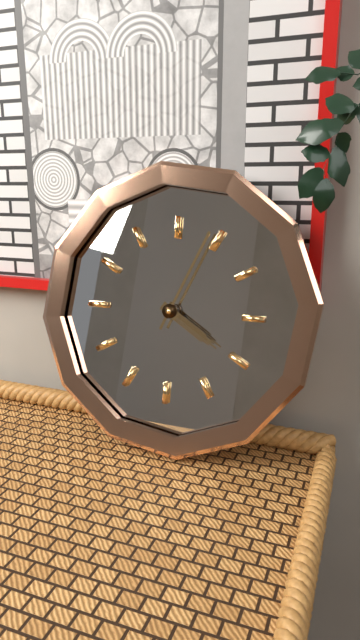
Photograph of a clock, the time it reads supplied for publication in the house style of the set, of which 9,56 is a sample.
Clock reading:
4,04
